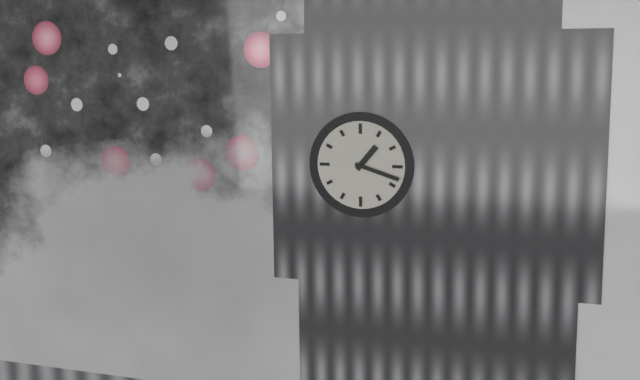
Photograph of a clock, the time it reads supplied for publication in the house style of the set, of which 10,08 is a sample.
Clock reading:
1,18
